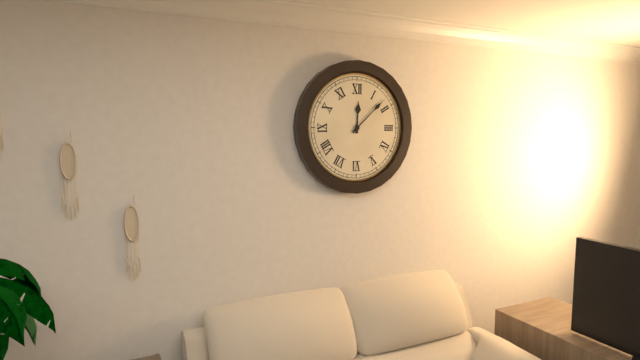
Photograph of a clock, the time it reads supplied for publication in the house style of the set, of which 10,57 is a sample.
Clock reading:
12,08
